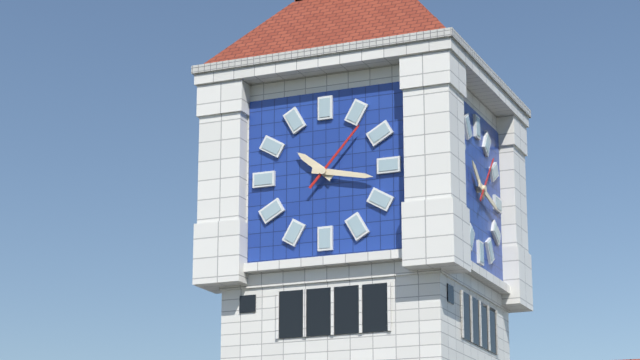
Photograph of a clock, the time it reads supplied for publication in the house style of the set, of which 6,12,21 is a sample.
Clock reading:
10,17,07
